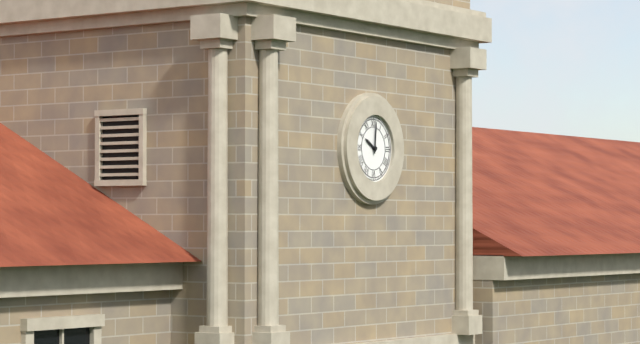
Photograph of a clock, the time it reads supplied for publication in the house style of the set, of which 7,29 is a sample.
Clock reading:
10,01
